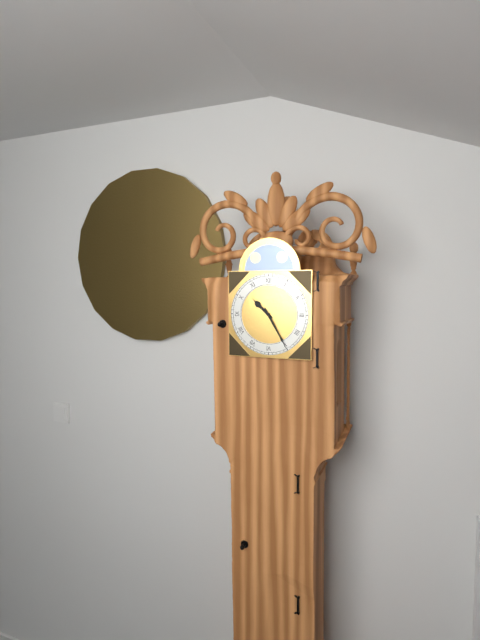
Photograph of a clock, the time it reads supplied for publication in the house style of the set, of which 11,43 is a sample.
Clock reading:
10,25
